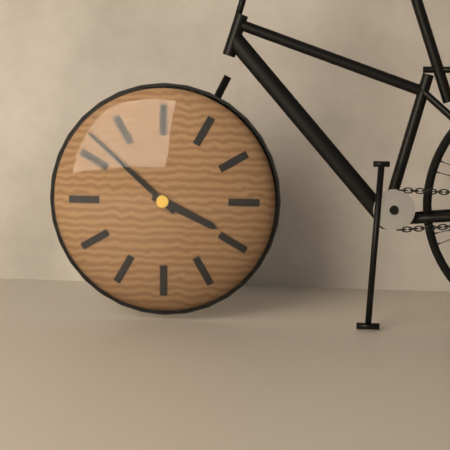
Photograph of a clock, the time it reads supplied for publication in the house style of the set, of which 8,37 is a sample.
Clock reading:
3,52
